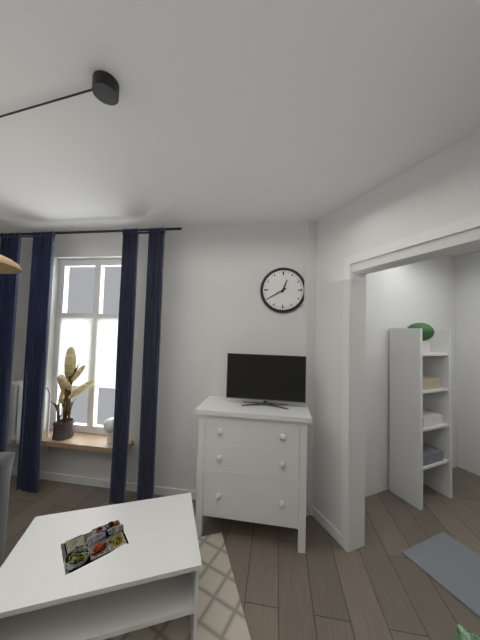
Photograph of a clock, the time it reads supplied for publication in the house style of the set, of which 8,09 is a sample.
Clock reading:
12,40
